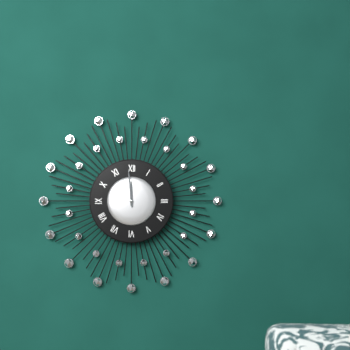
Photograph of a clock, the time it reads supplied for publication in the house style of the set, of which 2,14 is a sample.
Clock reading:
11,59
